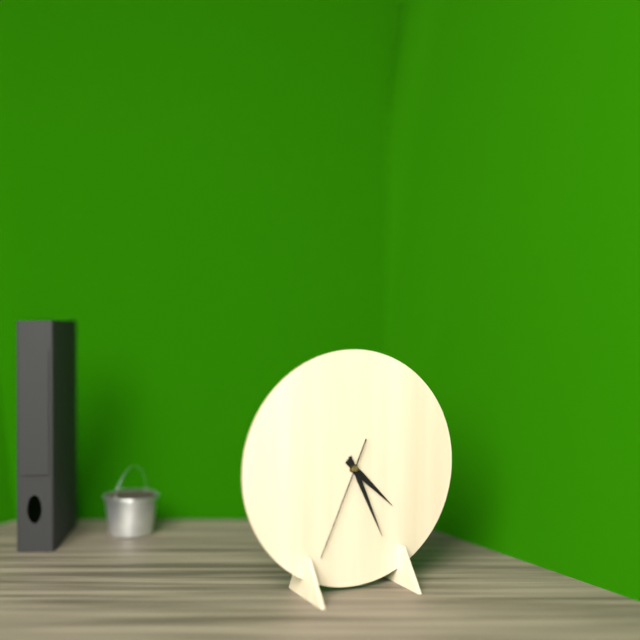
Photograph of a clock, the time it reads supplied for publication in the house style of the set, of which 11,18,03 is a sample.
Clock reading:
4,26,34
